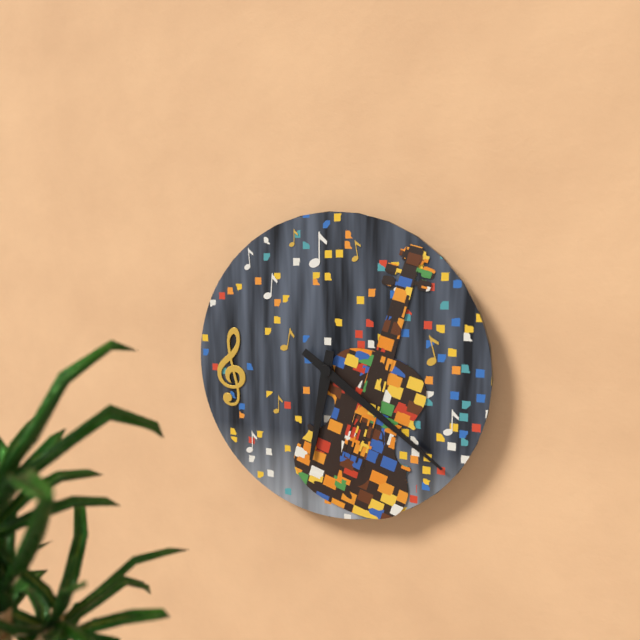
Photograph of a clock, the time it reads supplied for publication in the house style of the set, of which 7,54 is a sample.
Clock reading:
6,21
